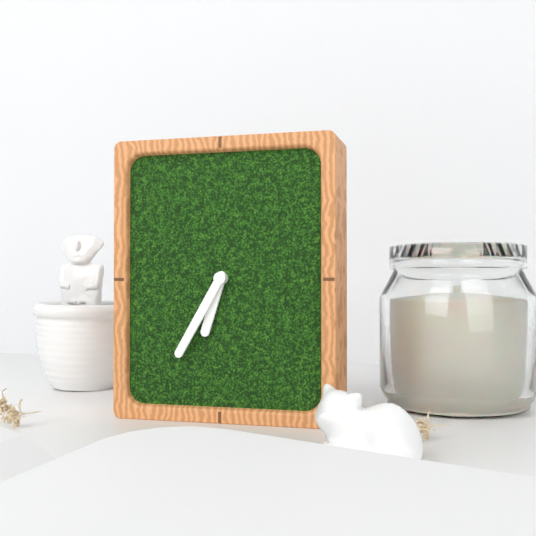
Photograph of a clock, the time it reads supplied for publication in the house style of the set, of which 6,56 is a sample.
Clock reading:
6,35
